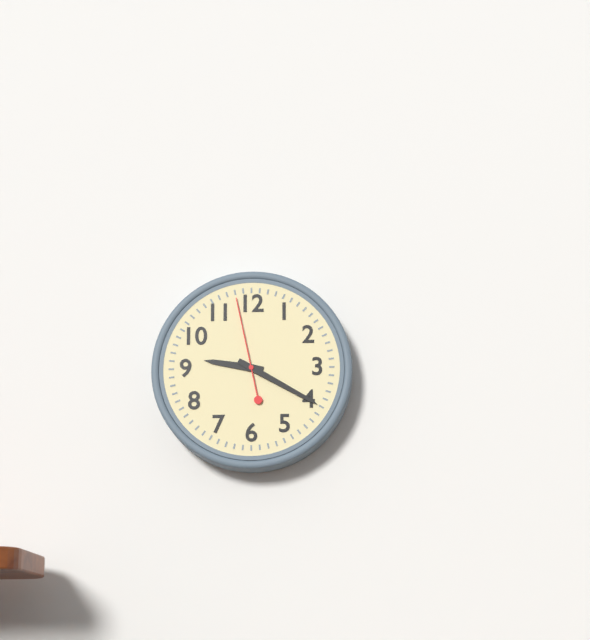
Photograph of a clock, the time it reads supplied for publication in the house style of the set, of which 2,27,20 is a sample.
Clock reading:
9,20,58
